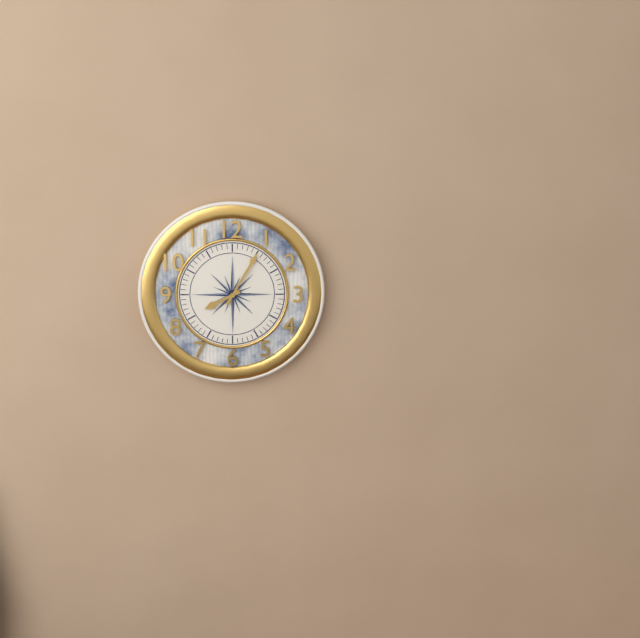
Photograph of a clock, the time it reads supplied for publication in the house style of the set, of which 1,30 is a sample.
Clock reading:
8,05
